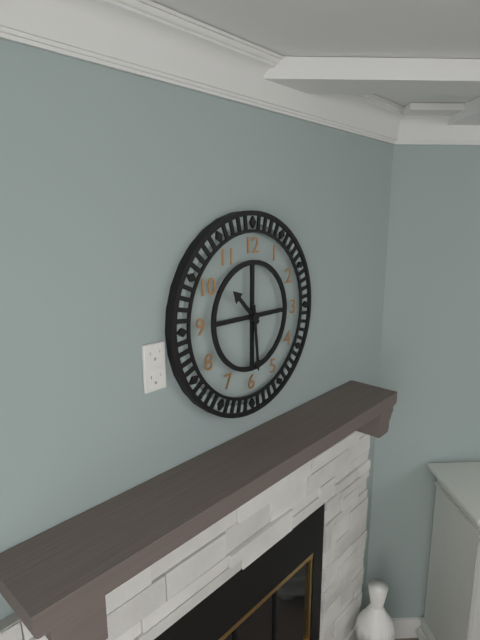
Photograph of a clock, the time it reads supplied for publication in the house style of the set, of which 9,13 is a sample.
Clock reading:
10,29
